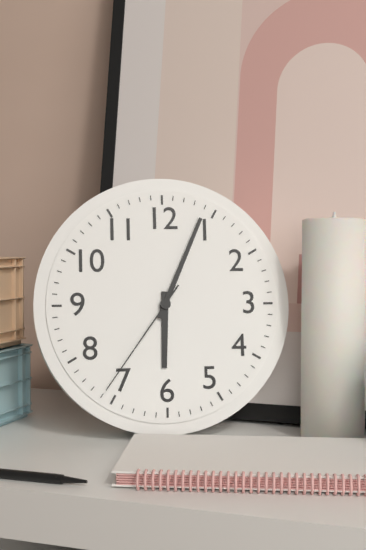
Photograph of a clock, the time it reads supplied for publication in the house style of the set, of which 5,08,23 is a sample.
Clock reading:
6,04,36
